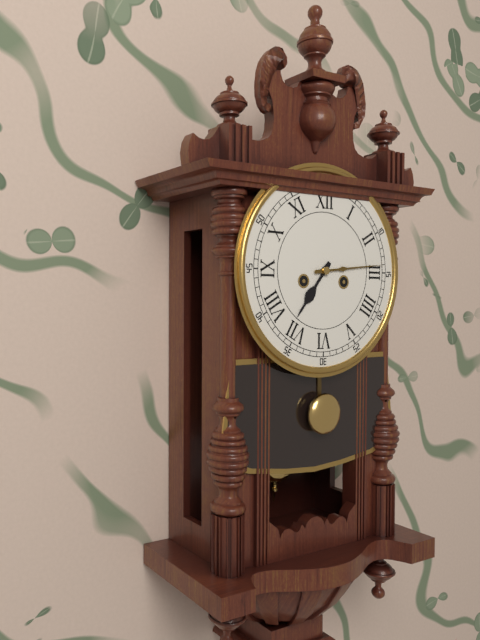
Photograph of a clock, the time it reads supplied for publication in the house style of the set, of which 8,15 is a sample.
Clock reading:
7,14
